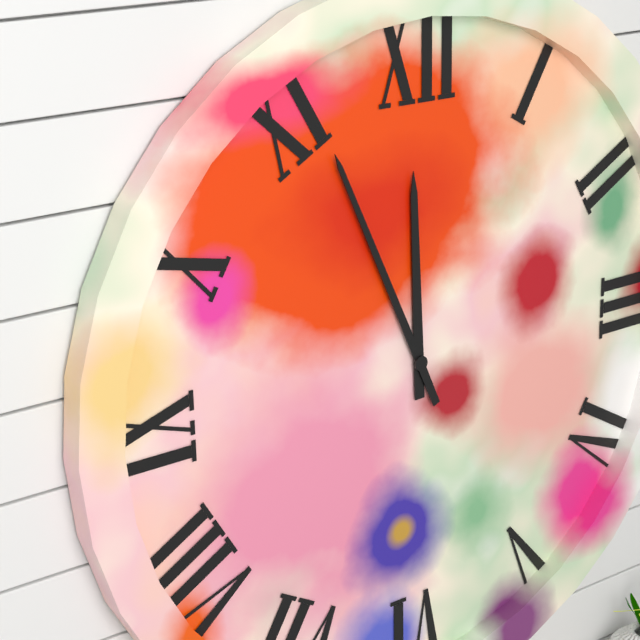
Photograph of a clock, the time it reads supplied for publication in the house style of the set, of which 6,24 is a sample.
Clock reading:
11,56
